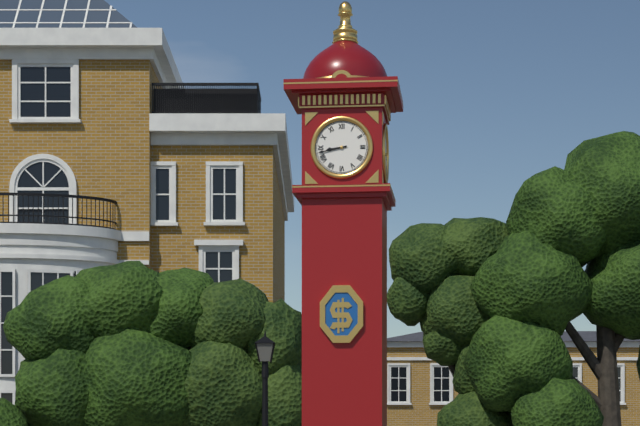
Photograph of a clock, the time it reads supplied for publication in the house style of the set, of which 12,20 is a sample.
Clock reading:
8,43
